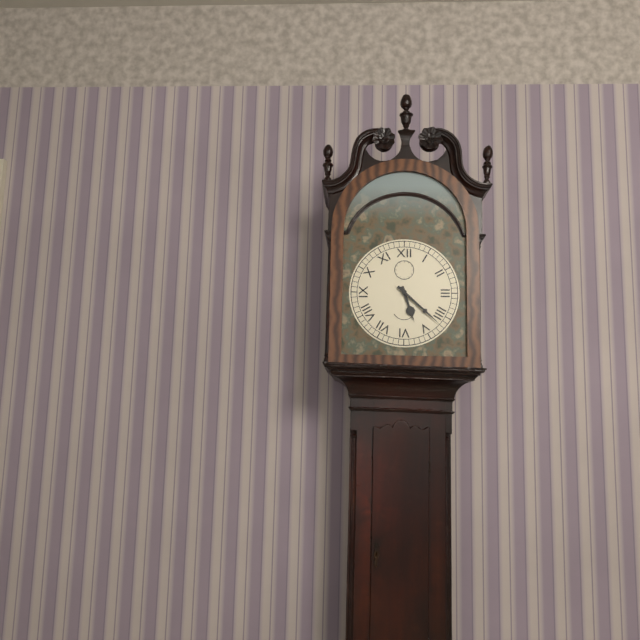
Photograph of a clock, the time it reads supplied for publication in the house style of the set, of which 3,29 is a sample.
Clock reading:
5,22
